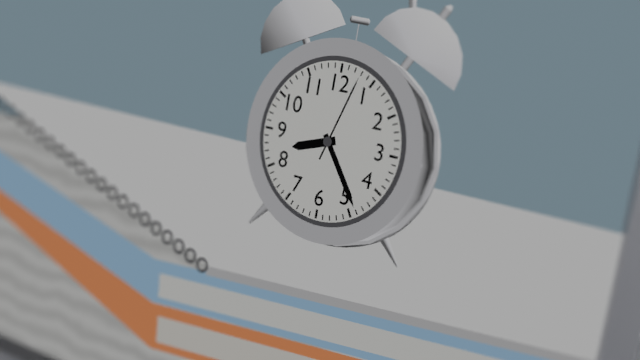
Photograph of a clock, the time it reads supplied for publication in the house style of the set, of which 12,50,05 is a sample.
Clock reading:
8,24,03
